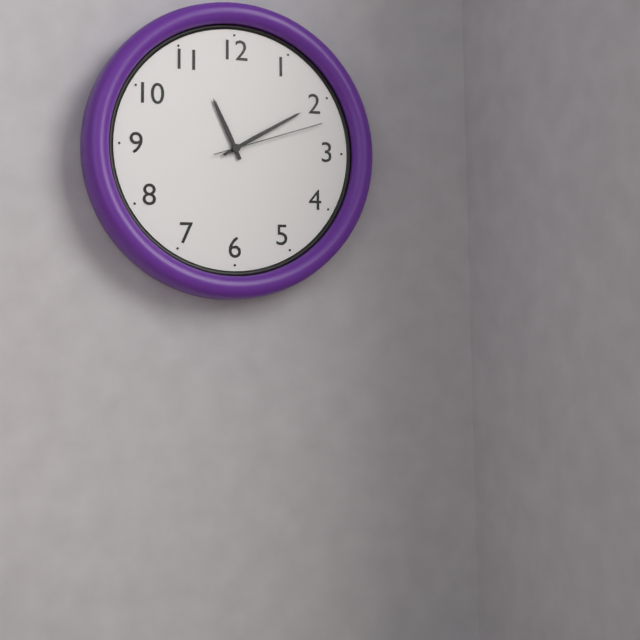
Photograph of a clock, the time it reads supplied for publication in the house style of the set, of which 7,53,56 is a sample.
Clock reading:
11,10,12
